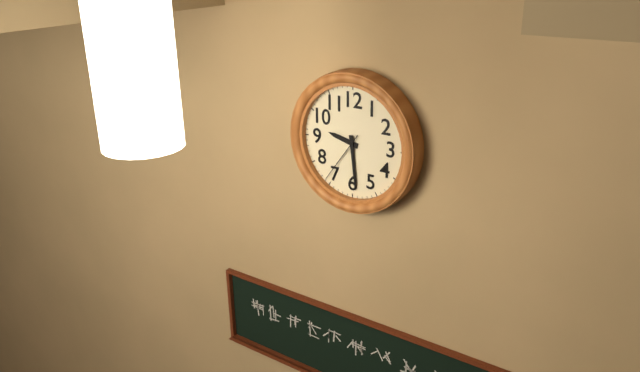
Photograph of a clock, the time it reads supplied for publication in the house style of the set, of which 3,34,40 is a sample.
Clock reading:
9,29,36
